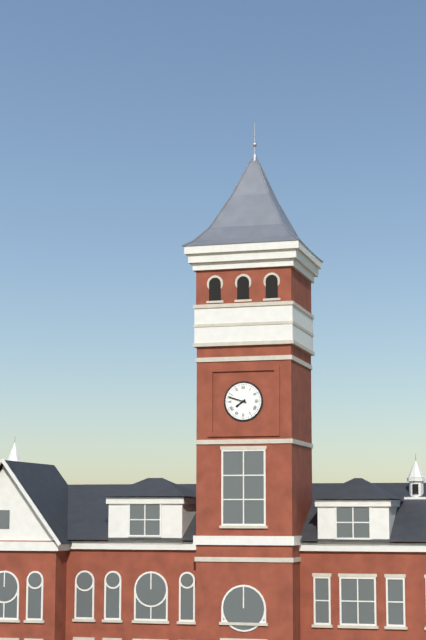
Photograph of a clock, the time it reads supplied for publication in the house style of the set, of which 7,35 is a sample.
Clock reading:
7,48
